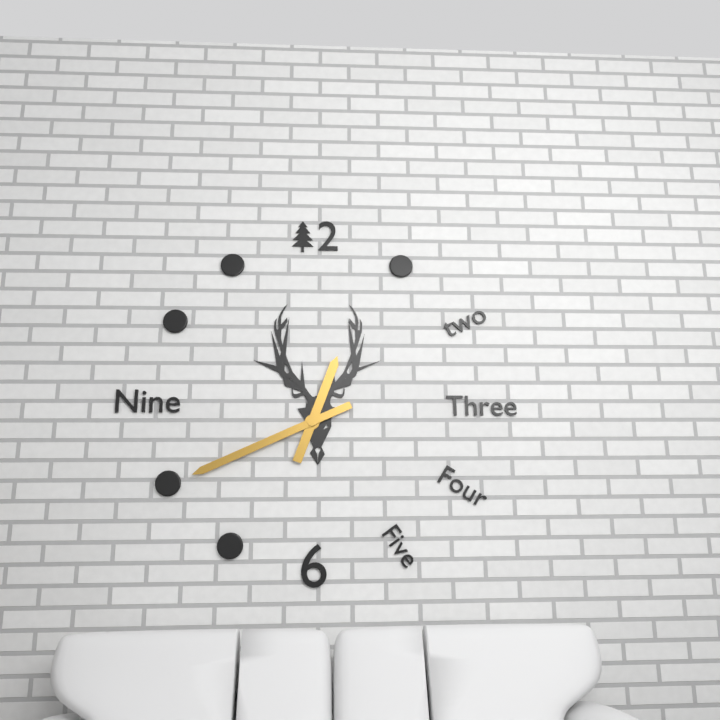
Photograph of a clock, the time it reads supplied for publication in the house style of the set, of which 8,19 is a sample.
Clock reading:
12,41
